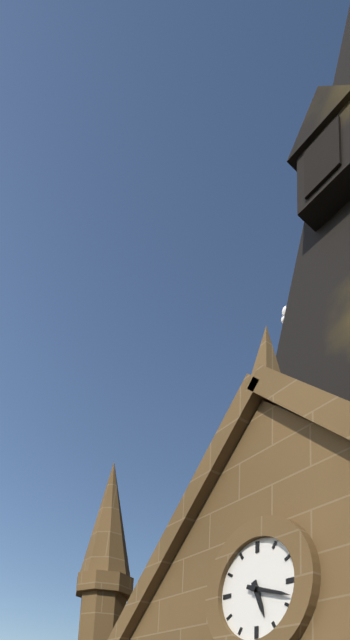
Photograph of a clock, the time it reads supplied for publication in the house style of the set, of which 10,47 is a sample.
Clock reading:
5,18
